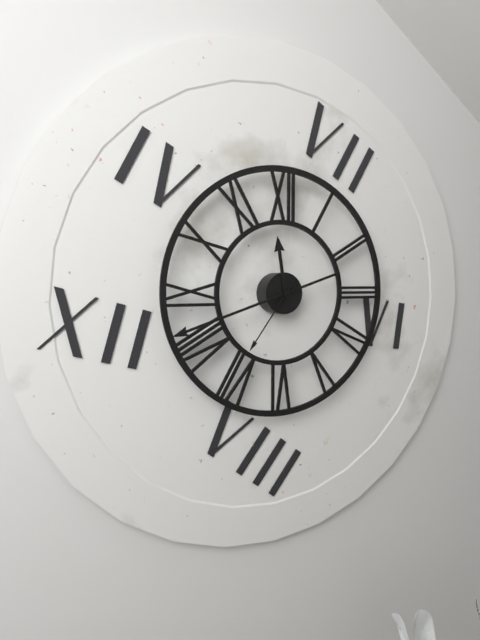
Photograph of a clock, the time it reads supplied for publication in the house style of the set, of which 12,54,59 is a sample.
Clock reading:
11,42,36
